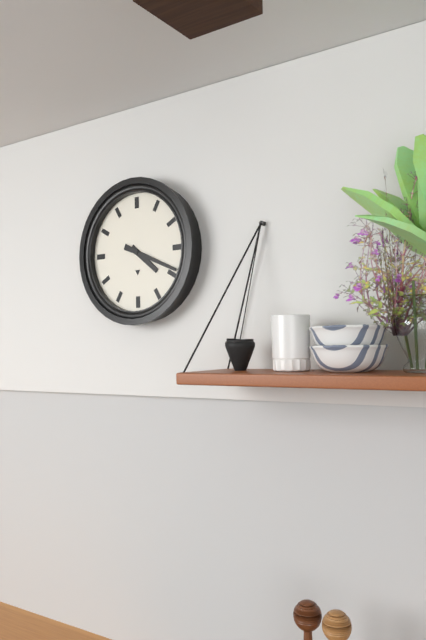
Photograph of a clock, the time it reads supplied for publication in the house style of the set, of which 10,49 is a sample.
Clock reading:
4,19
